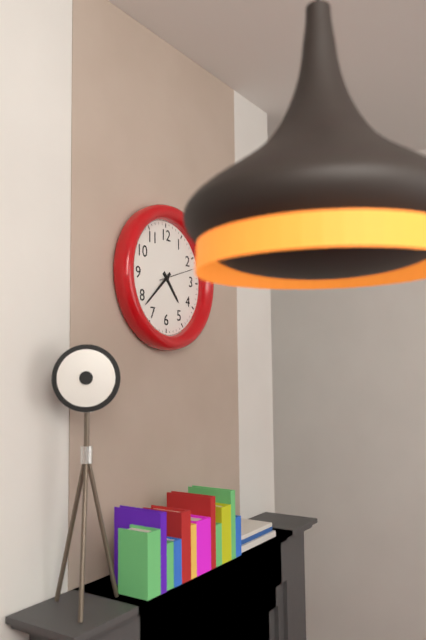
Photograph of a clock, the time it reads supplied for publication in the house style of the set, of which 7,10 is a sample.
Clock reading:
4,38
